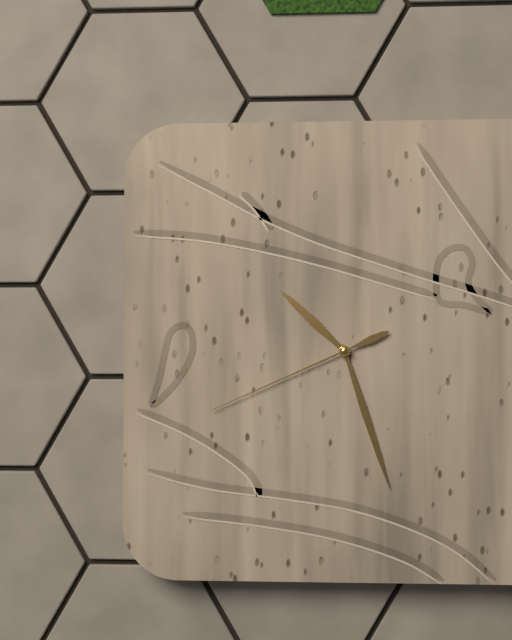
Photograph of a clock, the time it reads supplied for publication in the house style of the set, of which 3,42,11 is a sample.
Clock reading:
10,27,41
